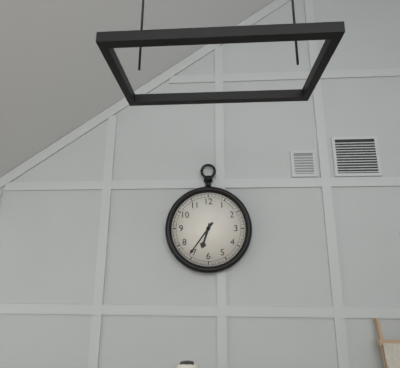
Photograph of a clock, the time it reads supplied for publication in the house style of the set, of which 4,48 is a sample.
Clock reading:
6,36
